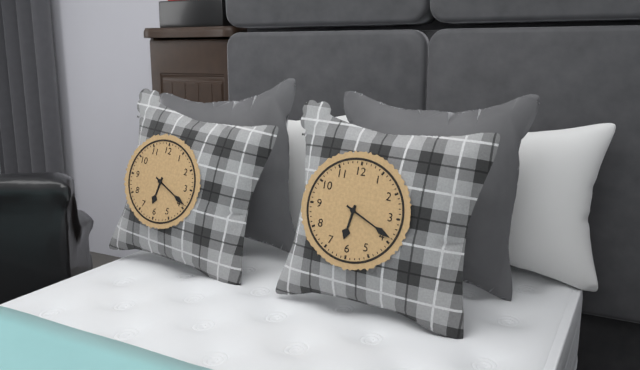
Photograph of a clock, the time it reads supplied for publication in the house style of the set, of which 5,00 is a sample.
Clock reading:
6,19
